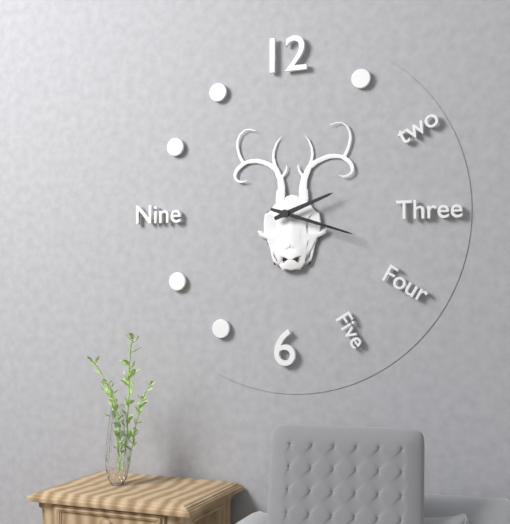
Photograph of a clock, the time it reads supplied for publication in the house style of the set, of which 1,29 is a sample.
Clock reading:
2,18
